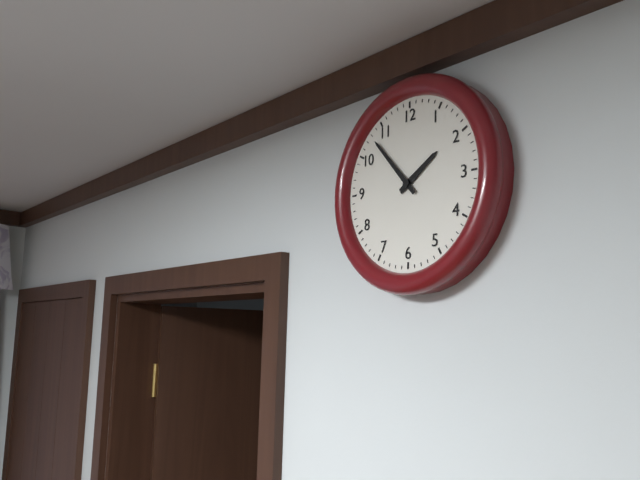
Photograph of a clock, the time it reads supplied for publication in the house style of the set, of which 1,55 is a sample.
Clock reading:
1,53
